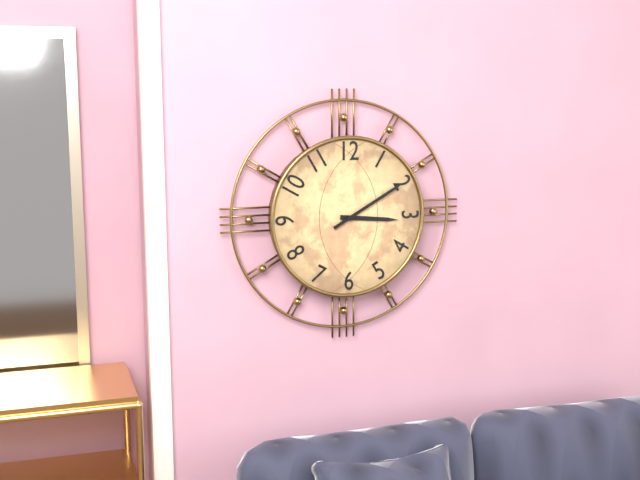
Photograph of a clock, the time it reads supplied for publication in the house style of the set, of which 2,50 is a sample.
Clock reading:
3,10
